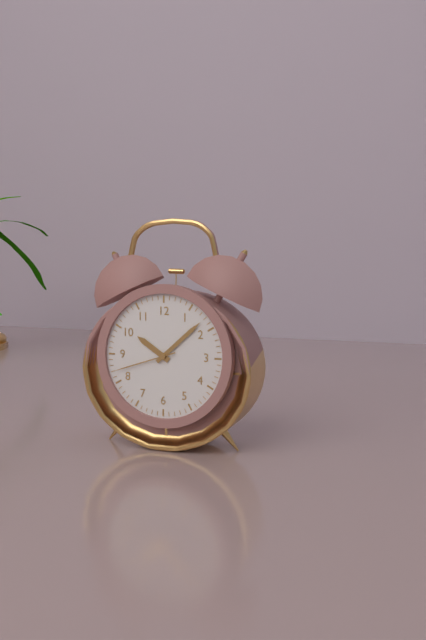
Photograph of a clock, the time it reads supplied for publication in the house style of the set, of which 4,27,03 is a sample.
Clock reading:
10,08,42
